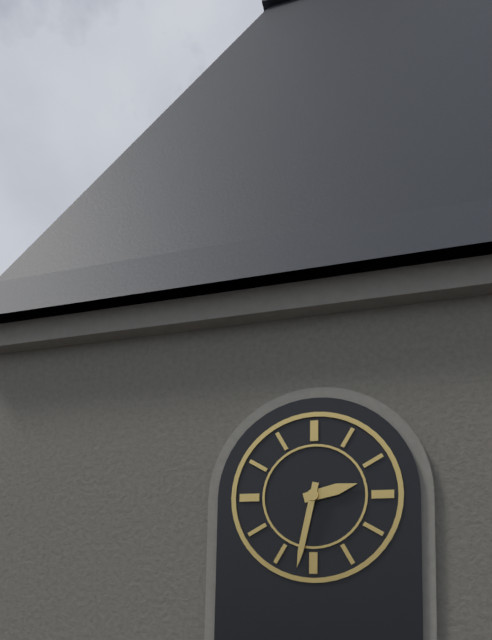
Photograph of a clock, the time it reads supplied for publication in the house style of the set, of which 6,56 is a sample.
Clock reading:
2,32
